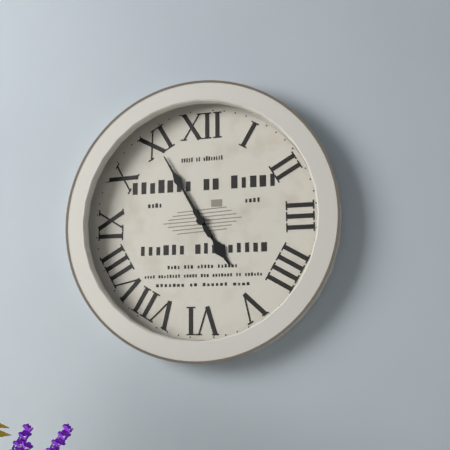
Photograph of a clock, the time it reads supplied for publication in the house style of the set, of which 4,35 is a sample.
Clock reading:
4,55
